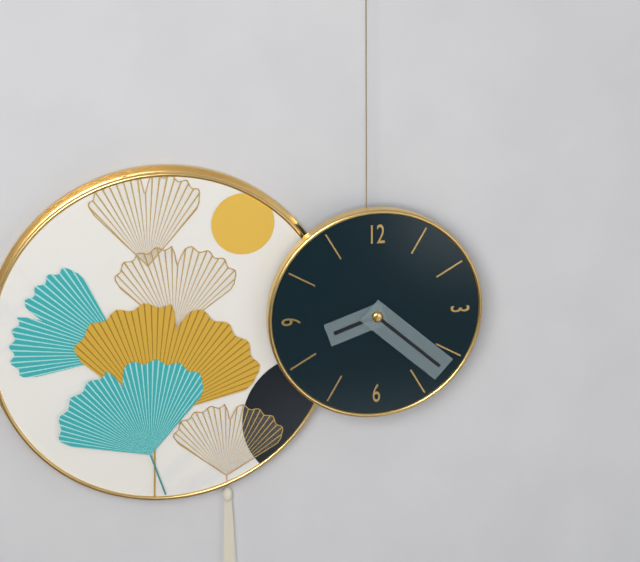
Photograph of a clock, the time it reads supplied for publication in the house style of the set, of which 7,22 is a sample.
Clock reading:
8,22
